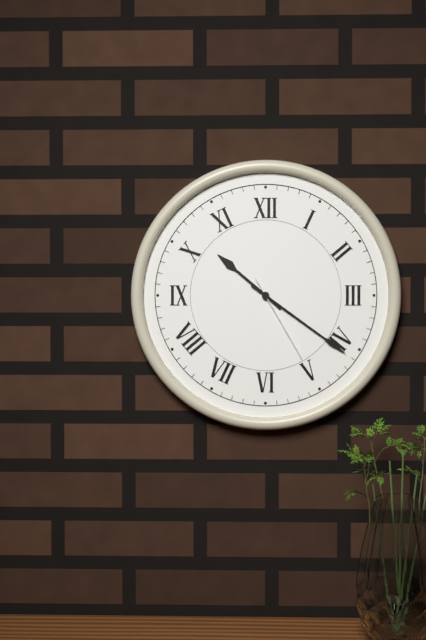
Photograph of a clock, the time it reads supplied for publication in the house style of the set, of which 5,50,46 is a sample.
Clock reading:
10,21,25
